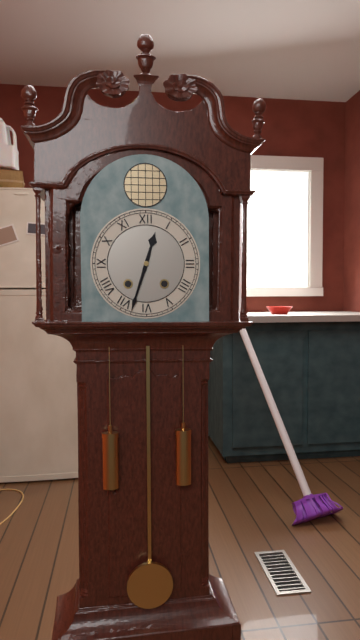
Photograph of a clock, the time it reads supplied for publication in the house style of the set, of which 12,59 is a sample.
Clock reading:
12,33
